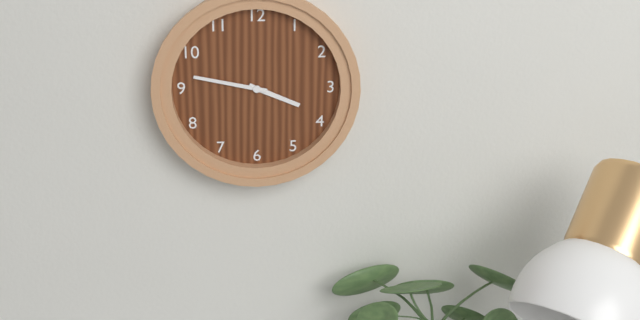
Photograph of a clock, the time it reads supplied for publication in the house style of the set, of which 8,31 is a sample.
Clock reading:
3,47
